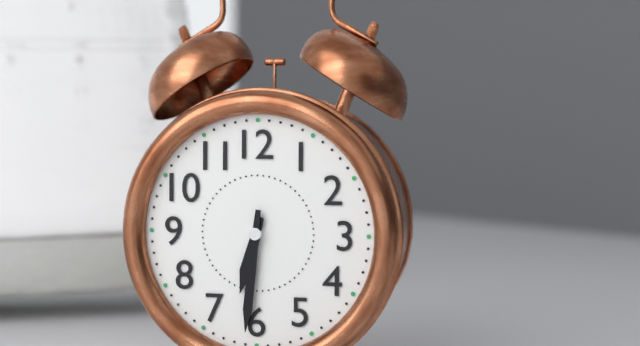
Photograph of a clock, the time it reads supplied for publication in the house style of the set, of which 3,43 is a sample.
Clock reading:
6,31
